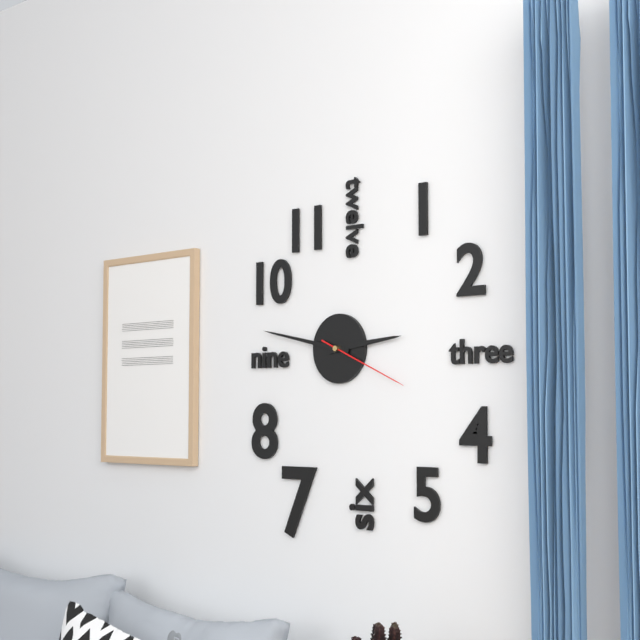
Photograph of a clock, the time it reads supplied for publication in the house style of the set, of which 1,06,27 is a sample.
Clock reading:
2,47,19
